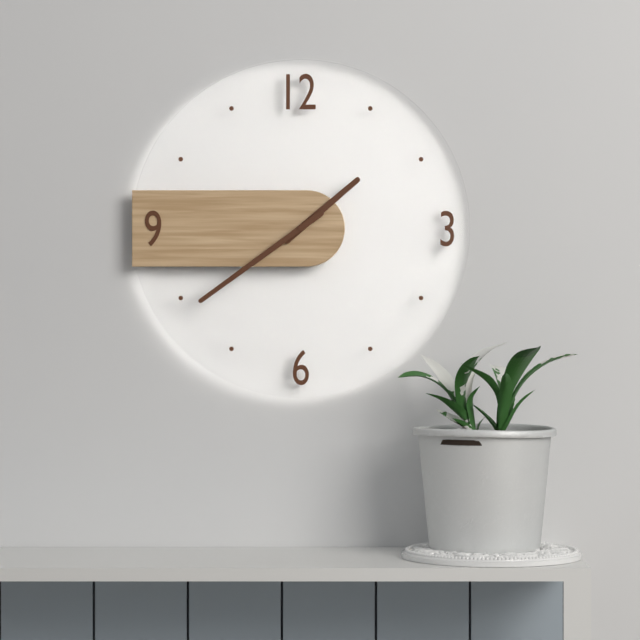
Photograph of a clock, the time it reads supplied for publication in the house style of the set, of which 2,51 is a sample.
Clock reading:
1,39
